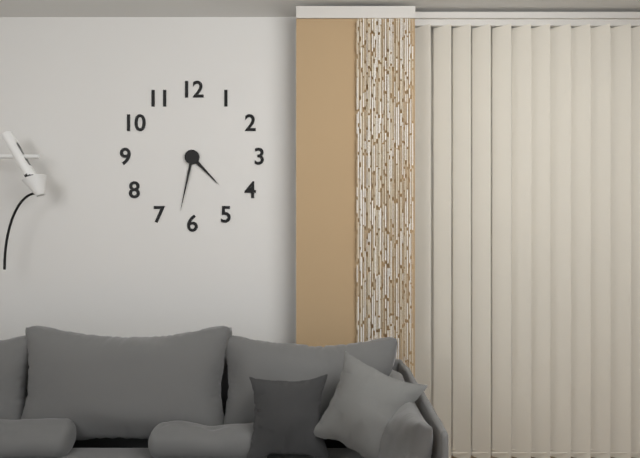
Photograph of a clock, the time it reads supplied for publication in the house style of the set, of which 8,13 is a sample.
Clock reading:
4,32
